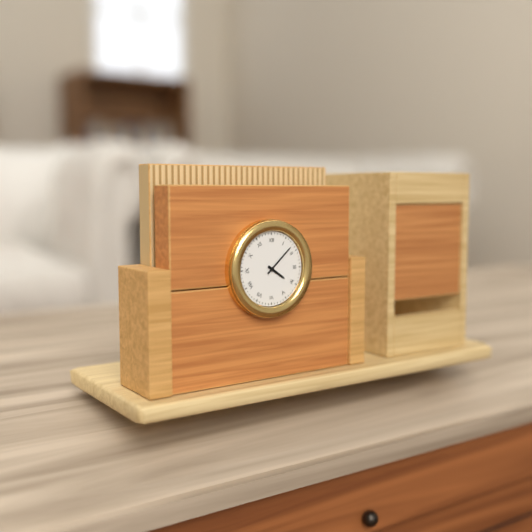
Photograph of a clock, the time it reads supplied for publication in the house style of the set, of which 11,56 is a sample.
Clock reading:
4,08
